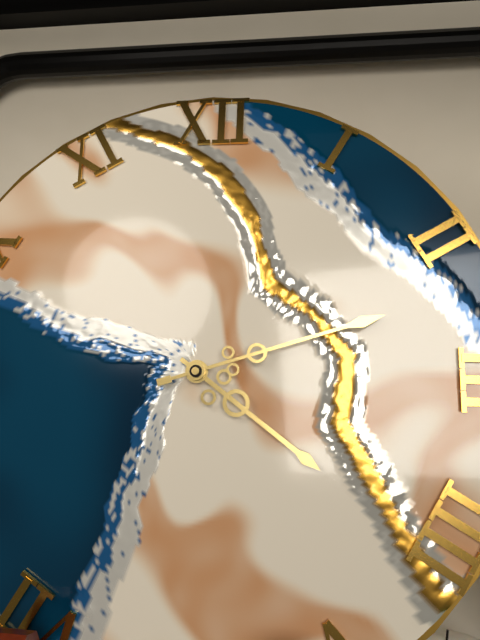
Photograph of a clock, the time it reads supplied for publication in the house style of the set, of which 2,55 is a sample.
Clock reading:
4,12
